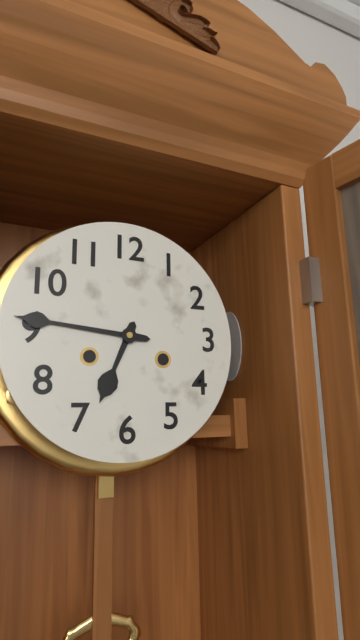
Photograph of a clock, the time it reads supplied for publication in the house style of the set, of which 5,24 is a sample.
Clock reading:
6,46
